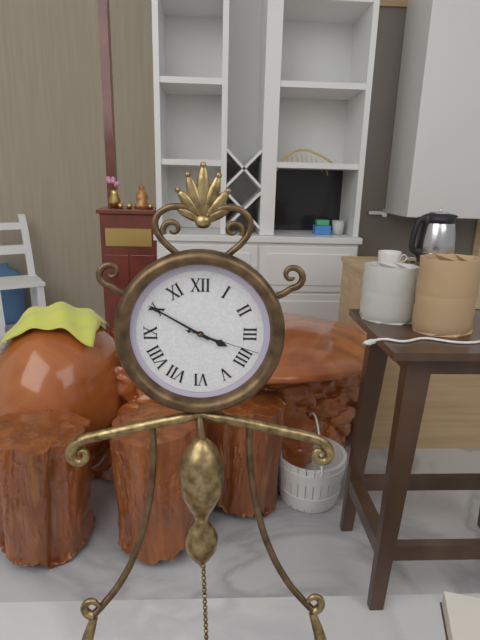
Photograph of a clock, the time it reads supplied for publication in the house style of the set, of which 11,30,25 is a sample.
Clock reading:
3,50,18
